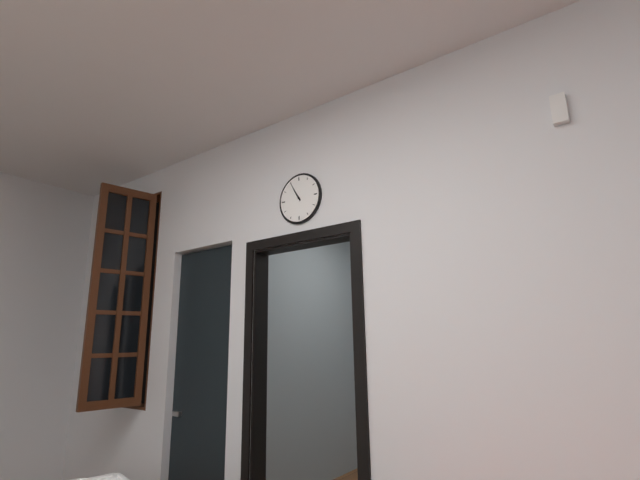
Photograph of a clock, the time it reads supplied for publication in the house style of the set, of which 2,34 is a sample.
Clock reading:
10,55
